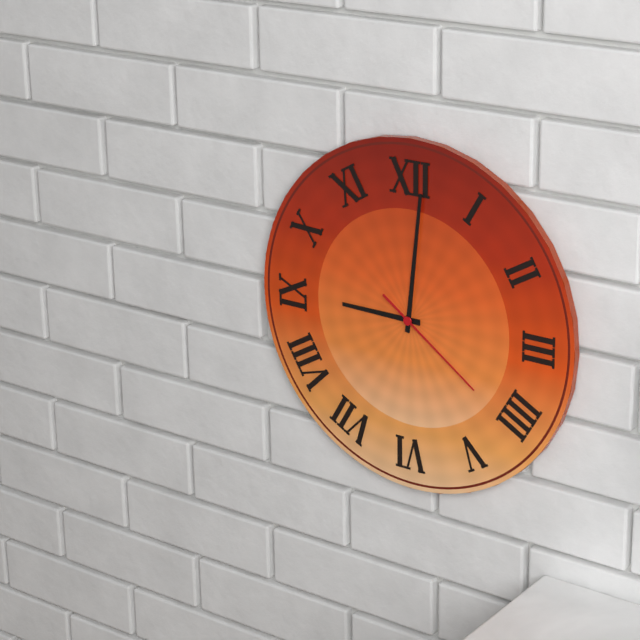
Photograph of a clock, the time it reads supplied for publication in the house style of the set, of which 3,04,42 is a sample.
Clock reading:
9,01,21
